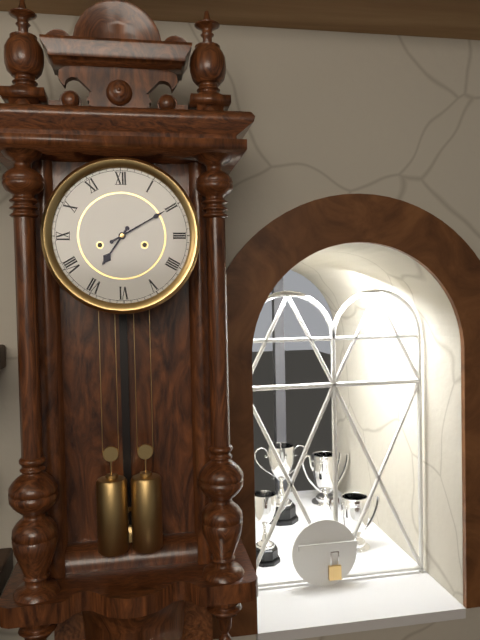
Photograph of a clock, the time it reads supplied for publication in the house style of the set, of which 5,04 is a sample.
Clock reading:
7,10
